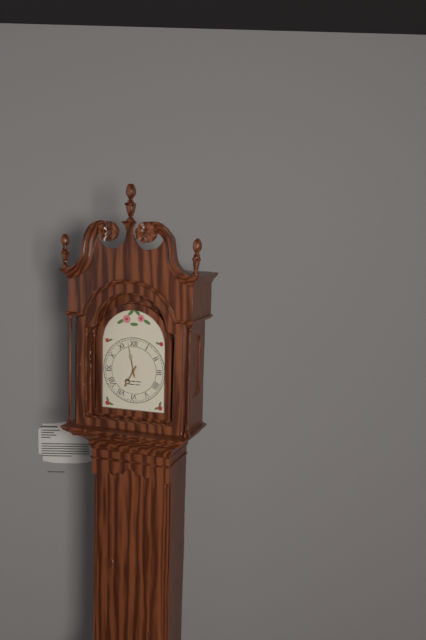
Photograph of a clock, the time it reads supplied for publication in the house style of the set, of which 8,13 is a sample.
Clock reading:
6,58
